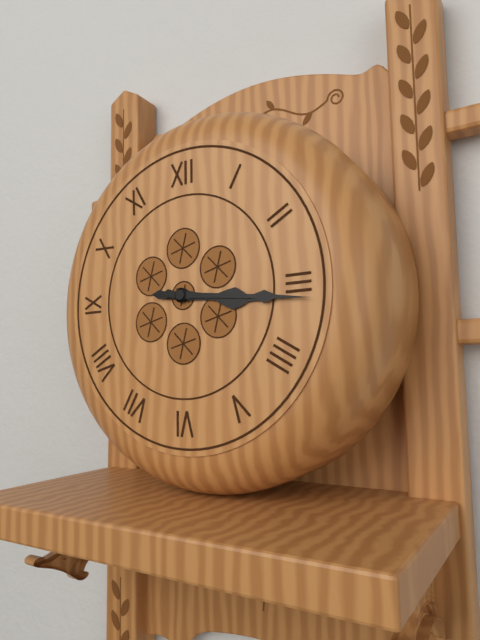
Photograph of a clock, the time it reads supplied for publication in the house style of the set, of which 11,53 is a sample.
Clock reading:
3,16
